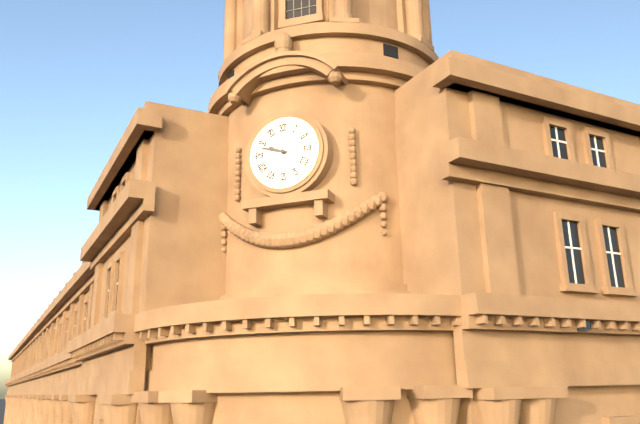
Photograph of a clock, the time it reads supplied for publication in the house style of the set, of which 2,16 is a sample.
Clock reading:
9,48
